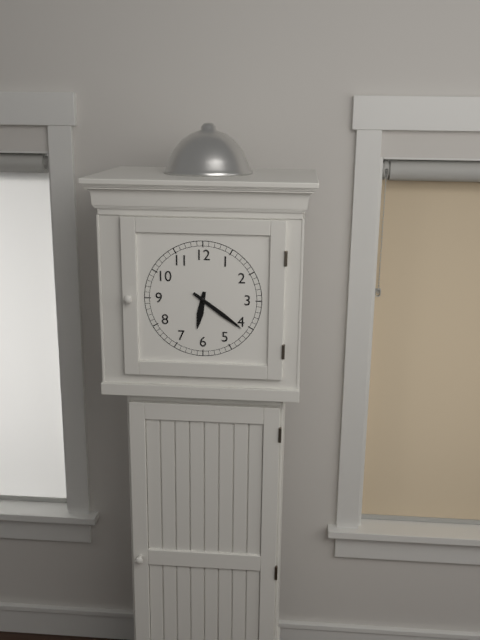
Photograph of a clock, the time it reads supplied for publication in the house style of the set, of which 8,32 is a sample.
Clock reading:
6,21
